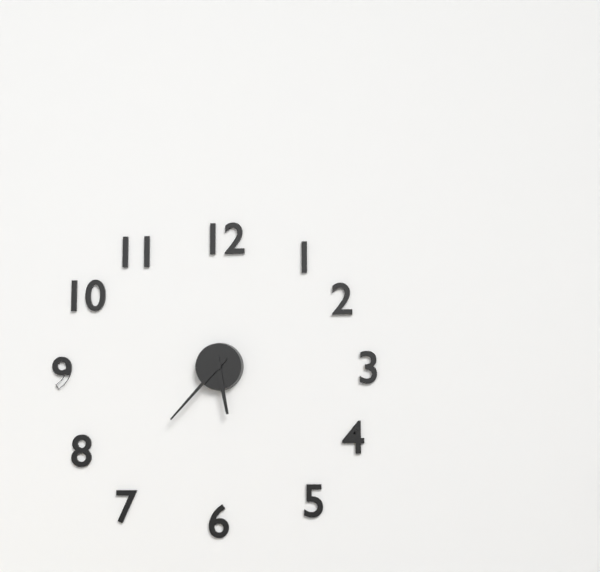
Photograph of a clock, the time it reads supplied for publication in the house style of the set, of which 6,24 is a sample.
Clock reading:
5,37
